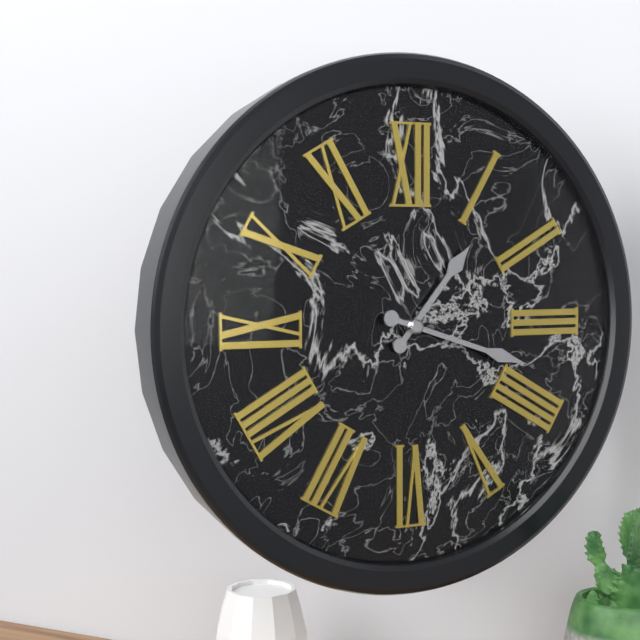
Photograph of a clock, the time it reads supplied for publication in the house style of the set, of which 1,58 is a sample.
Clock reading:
1,18
